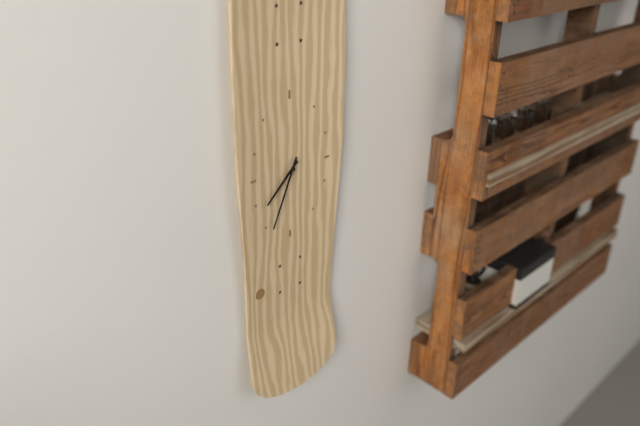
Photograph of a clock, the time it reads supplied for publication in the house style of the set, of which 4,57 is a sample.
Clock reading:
7,34
